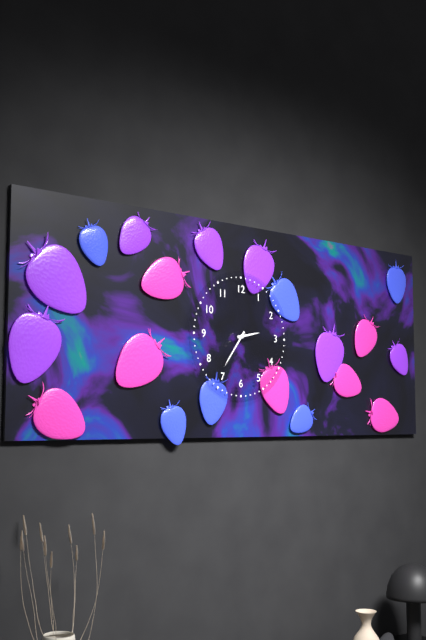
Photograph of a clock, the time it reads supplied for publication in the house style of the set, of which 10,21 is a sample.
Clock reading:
2,36
